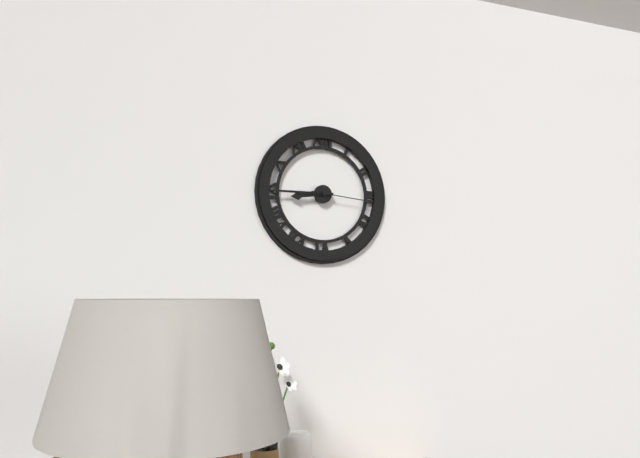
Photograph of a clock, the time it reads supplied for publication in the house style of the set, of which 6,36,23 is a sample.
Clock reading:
8,45,16
